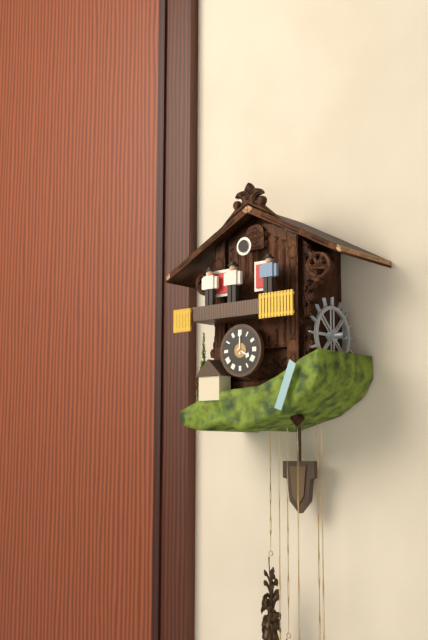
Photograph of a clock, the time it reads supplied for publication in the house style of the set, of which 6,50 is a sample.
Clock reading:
4,00
